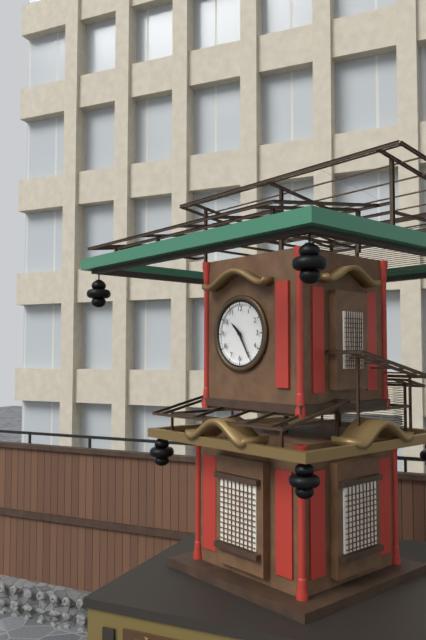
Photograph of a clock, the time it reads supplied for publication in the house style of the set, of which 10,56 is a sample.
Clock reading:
10,25
